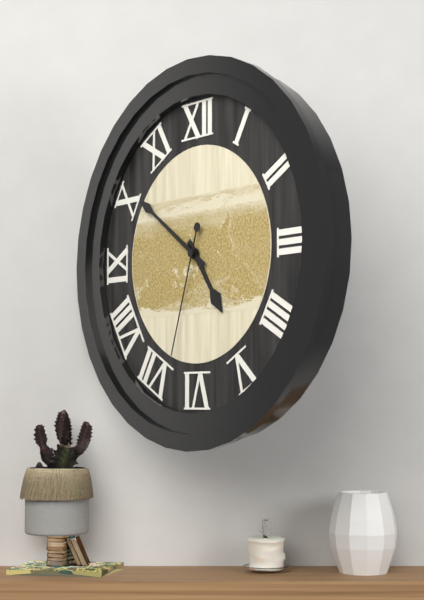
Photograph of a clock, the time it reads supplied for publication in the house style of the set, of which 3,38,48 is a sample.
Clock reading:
4,51,33
